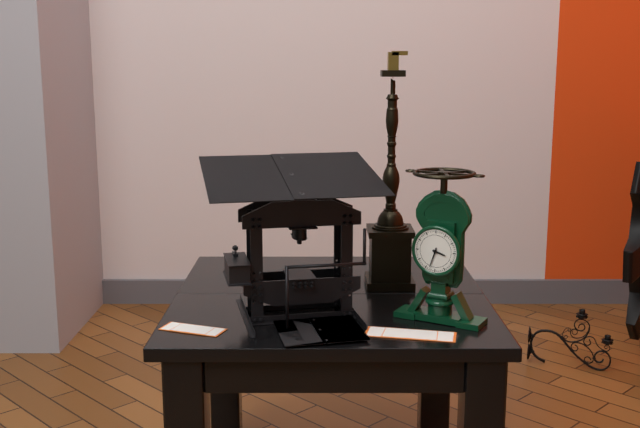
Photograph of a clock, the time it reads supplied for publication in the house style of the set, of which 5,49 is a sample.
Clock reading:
3,33
